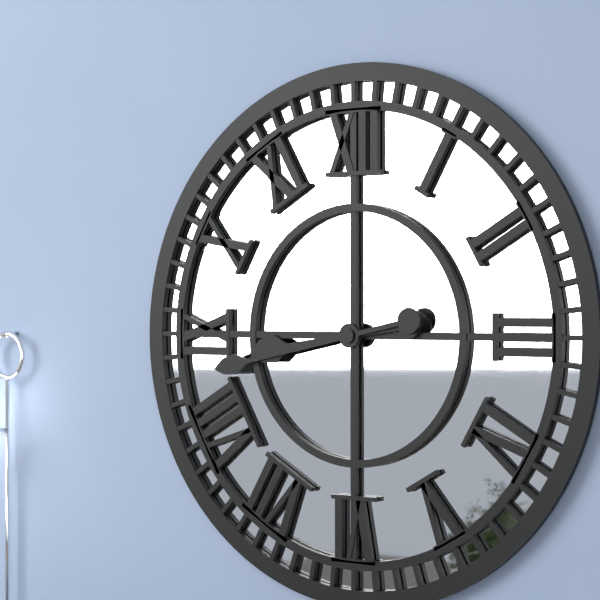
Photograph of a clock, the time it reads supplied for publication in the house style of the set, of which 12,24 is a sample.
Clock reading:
8,43
